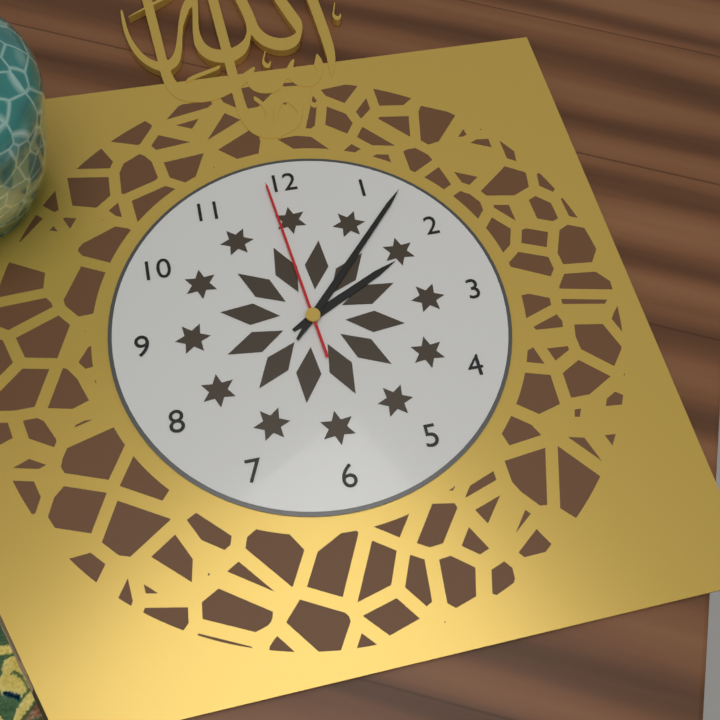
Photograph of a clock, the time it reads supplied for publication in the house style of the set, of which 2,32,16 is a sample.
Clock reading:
2,07,59
